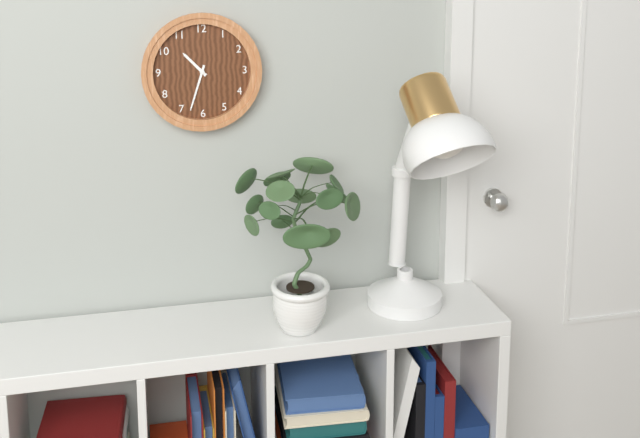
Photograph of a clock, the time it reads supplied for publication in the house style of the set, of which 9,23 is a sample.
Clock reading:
10,33
